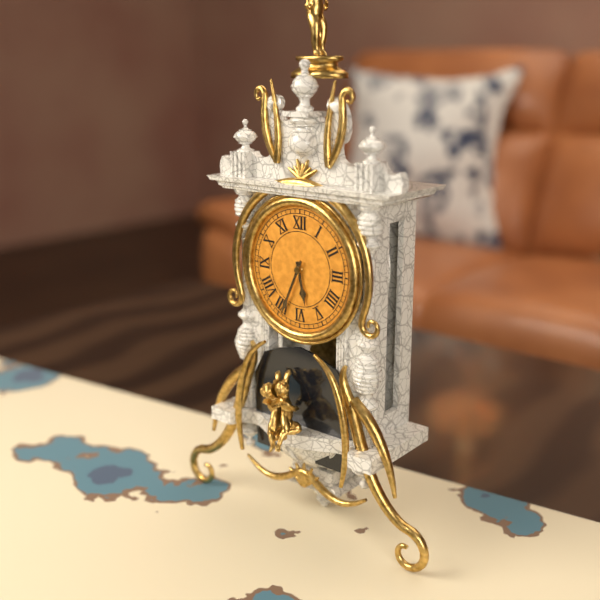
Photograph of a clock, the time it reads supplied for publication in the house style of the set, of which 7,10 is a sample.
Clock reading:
5,34
